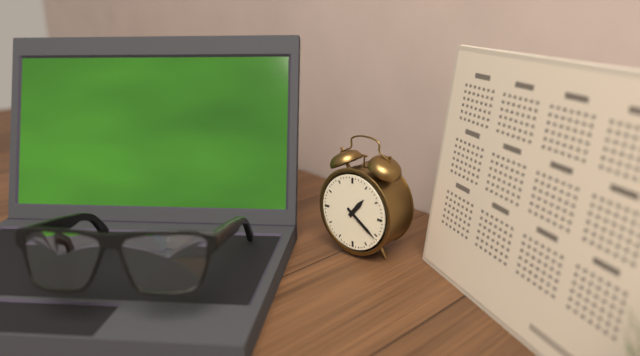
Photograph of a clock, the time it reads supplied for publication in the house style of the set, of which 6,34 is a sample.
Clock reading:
1,21
